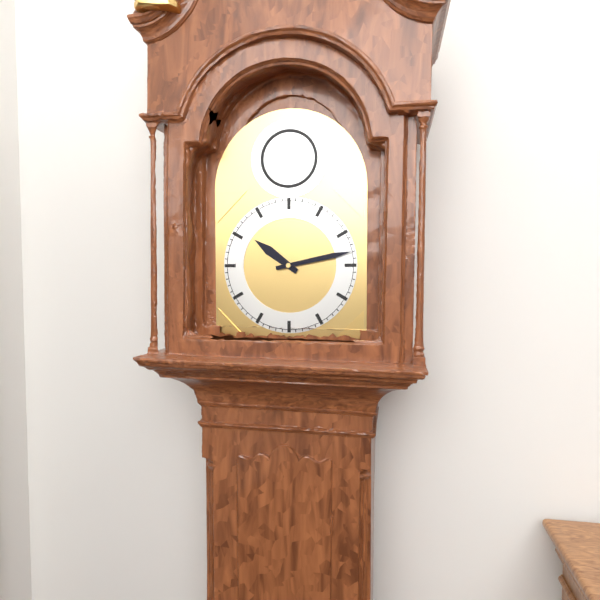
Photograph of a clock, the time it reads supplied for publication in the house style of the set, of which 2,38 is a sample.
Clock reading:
10,13
